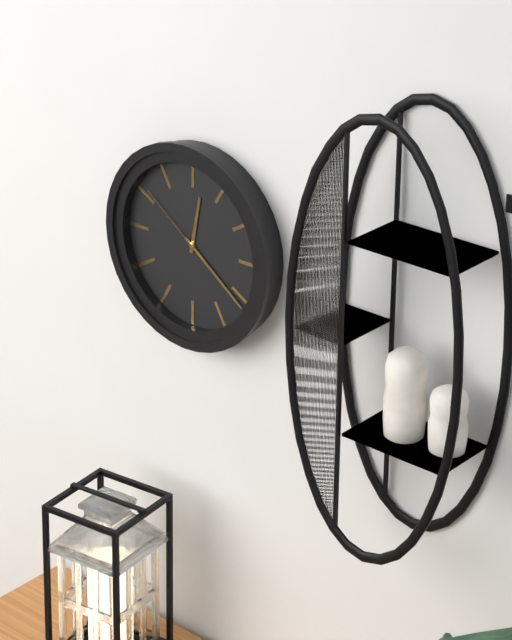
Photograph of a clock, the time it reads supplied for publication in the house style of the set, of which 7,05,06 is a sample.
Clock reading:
12,21,51
